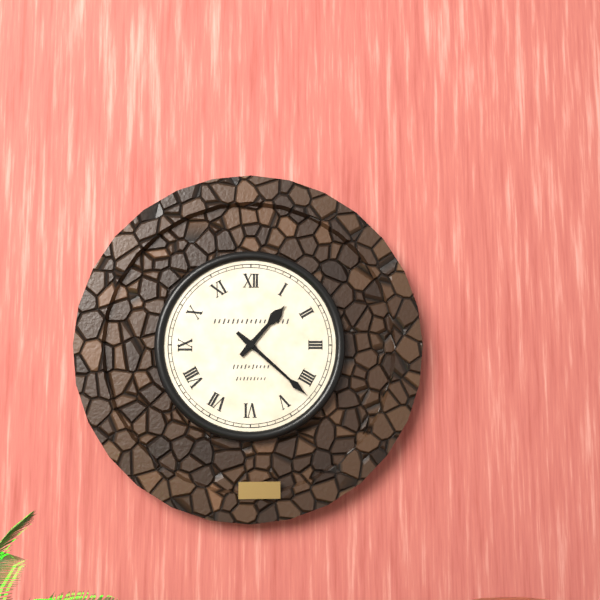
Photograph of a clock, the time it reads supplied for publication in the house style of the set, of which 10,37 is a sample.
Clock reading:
1,22
